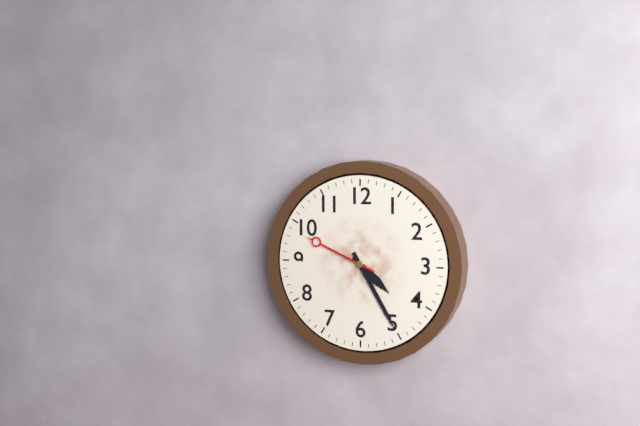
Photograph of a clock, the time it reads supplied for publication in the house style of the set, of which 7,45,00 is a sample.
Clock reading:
4,25,49
